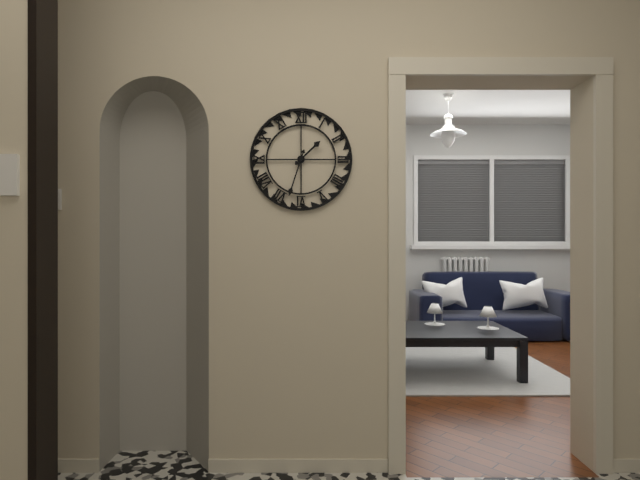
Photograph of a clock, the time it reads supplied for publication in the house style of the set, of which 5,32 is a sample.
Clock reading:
1,33
